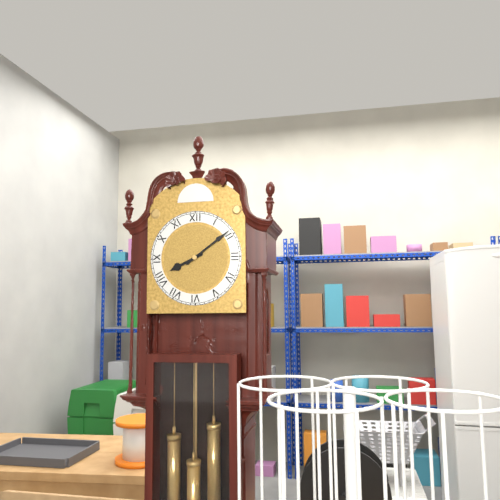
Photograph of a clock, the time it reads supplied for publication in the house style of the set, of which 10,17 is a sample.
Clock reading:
8,09
